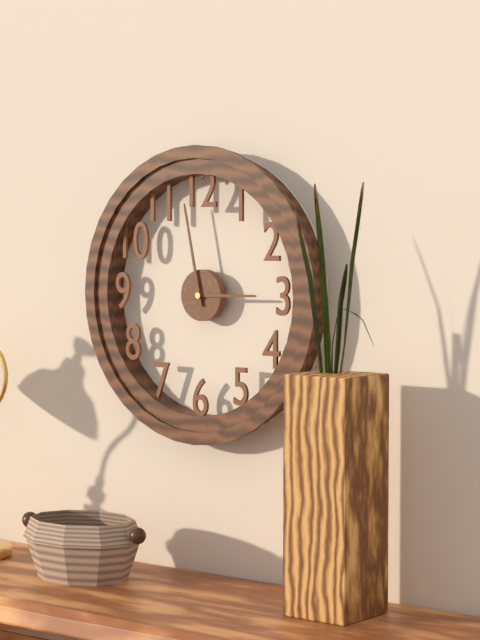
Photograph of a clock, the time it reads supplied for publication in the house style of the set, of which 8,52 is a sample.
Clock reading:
2,58
